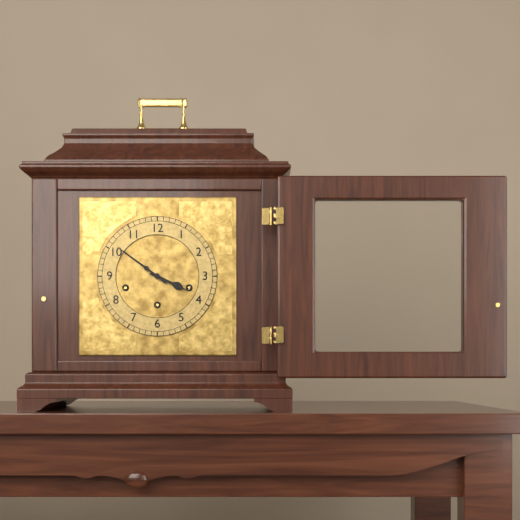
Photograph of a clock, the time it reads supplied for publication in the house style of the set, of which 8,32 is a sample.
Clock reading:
3,51
